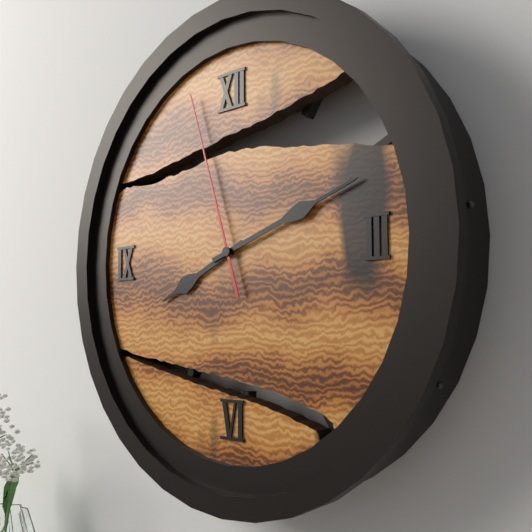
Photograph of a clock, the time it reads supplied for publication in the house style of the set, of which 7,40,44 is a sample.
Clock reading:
8,12,57
